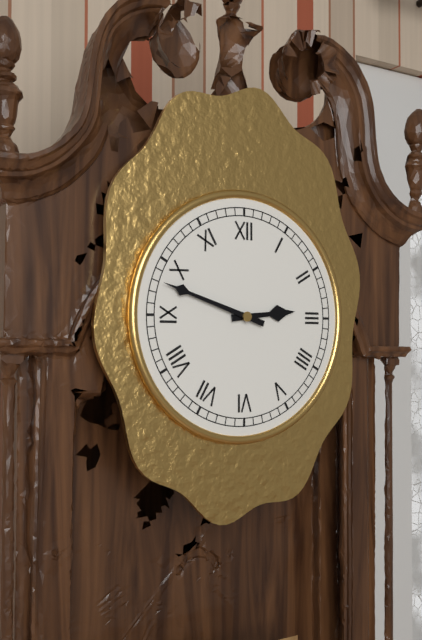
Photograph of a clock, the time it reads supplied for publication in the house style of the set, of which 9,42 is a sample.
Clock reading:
2,48
